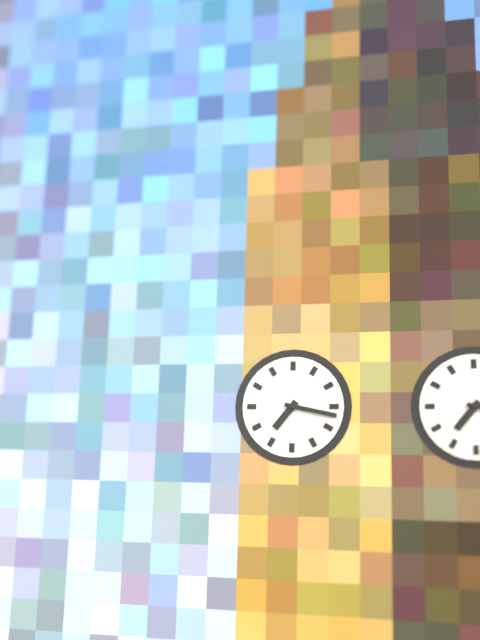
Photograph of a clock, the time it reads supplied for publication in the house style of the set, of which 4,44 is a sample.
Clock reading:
7,17
